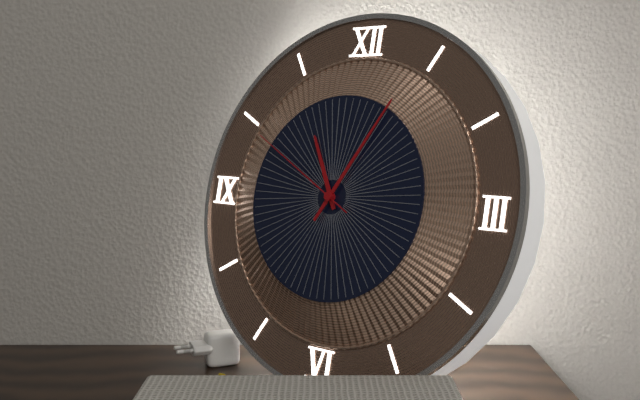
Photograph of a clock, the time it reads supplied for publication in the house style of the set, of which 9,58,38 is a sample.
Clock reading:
11,05,50
